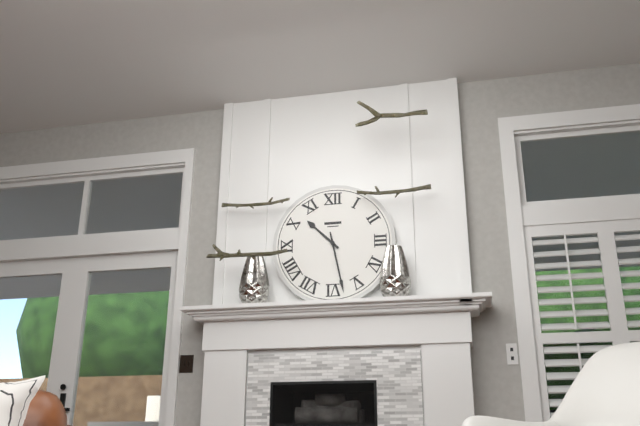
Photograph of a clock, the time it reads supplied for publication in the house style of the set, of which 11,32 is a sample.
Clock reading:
10,28
